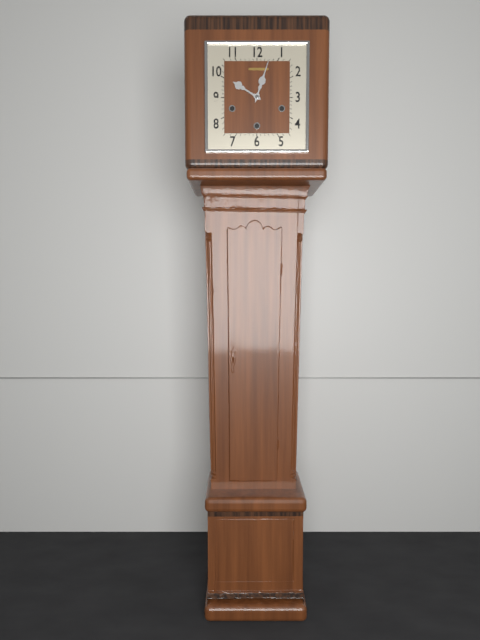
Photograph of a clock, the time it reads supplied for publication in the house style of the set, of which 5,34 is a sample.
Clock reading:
10,03
